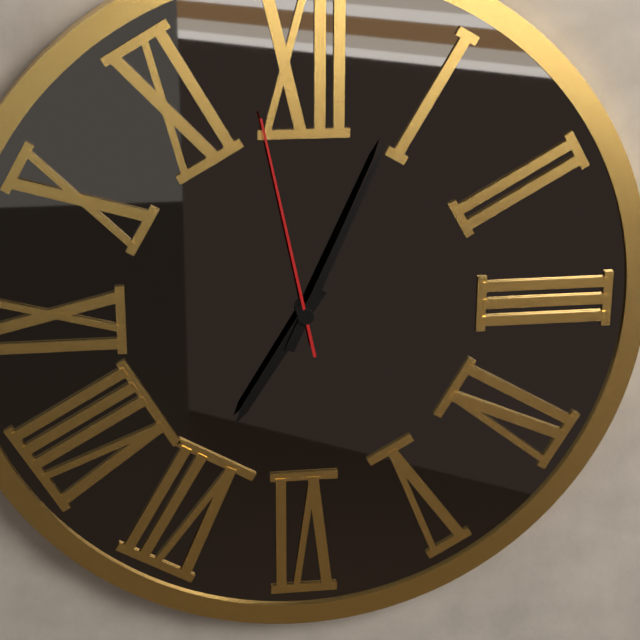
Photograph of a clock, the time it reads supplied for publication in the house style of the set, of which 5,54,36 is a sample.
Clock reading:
7,04,58
